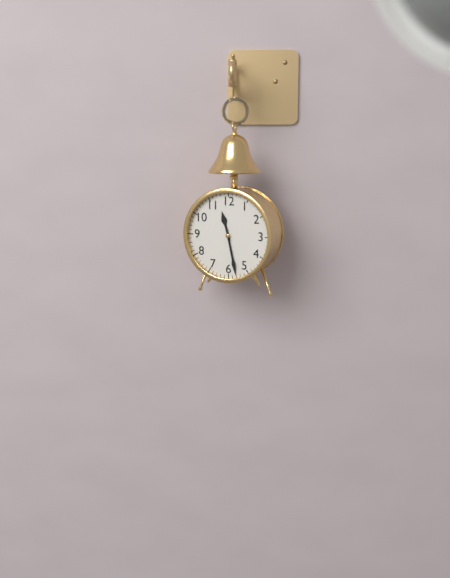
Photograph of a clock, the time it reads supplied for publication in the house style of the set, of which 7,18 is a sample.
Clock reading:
11,28
